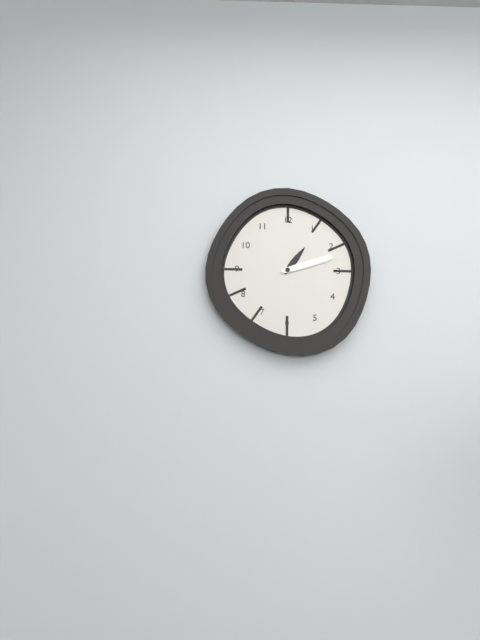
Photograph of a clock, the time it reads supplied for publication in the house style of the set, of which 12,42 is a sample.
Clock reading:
1,12
